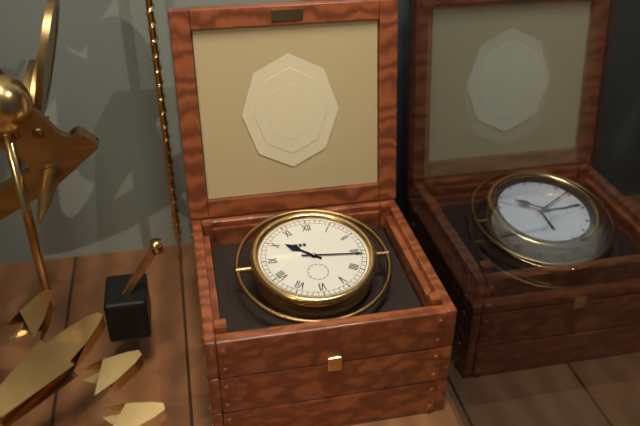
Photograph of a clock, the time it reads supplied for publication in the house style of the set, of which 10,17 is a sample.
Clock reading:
10,16
